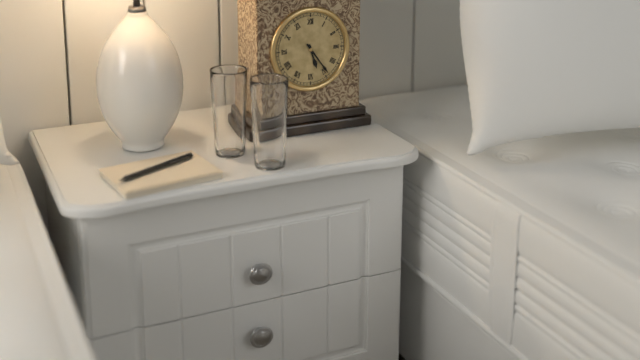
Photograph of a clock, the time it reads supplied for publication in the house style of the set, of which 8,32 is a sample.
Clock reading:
5,24
